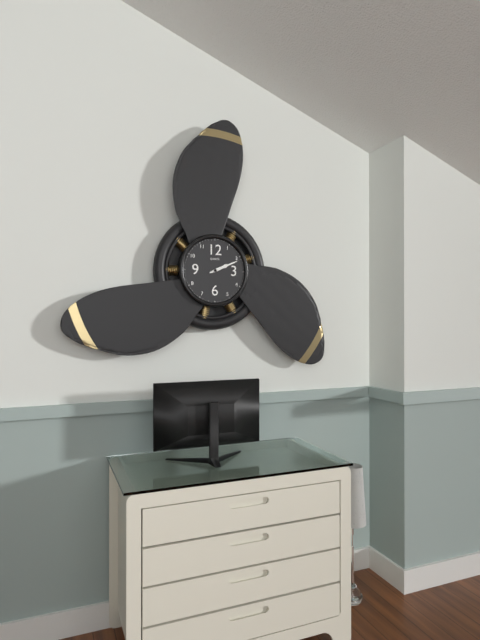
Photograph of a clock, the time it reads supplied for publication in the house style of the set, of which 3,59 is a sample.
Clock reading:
2,11
